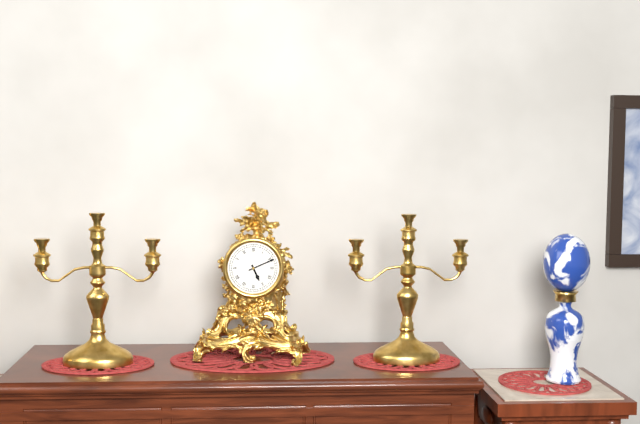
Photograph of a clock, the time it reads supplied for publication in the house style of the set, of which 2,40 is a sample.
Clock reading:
5,11
